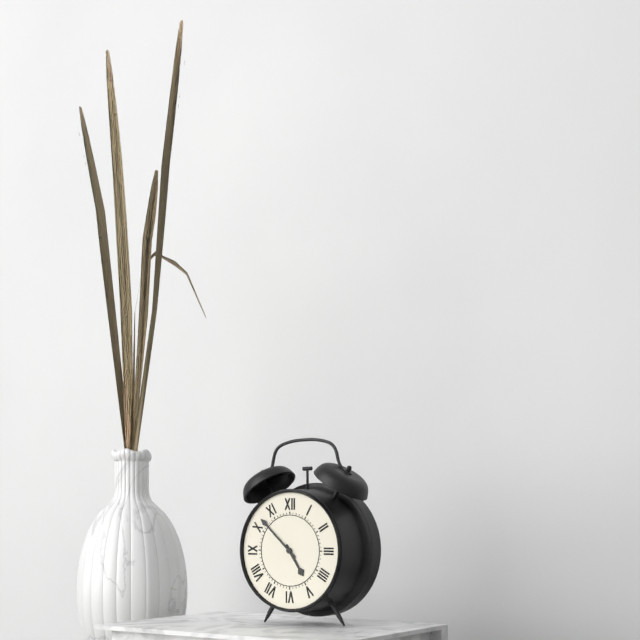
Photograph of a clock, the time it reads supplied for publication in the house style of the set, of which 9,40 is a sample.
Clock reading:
4,52
